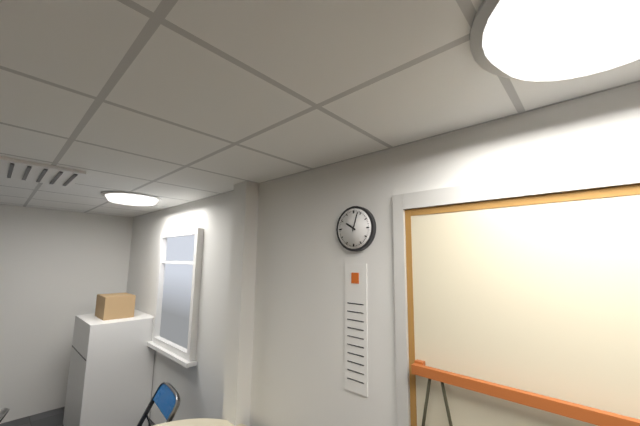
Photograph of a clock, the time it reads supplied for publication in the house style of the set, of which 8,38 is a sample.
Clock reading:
10,03
